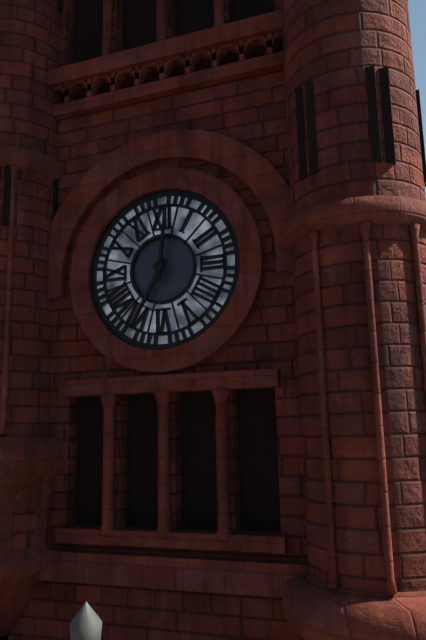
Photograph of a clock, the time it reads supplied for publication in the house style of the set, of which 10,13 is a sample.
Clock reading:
7,01
